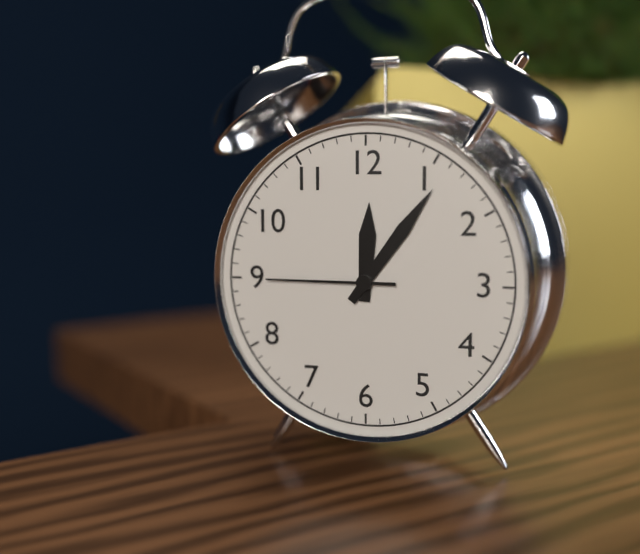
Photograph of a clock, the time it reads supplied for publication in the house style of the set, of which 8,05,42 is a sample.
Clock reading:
12,06,45
